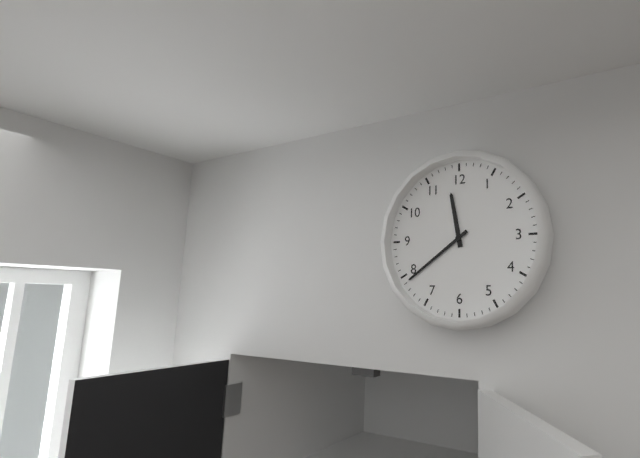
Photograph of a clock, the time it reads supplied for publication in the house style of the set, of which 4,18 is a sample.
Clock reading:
11,39
